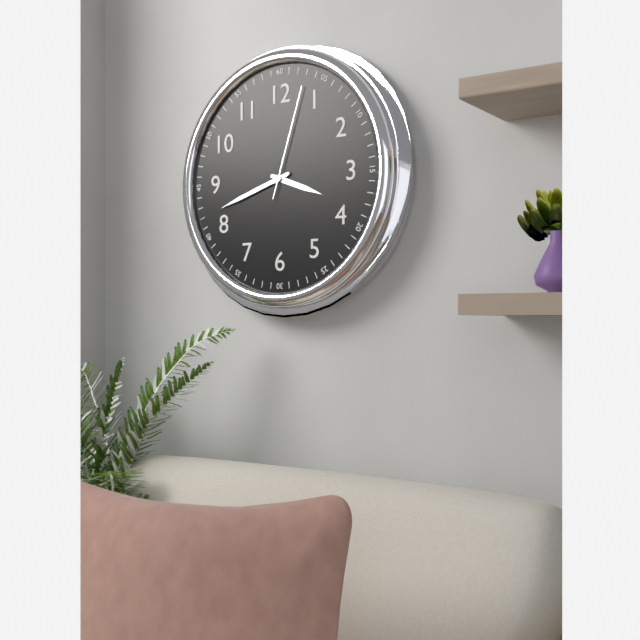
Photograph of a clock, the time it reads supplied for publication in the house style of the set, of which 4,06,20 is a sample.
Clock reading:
3,42,03
